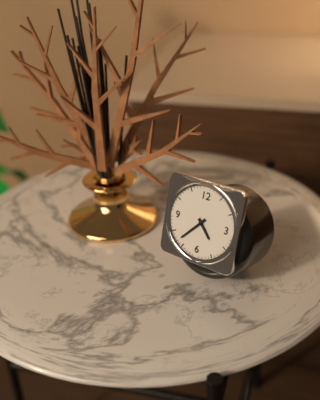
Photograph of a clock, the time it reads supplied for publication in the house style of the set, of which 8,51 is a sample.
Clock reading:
4,37
